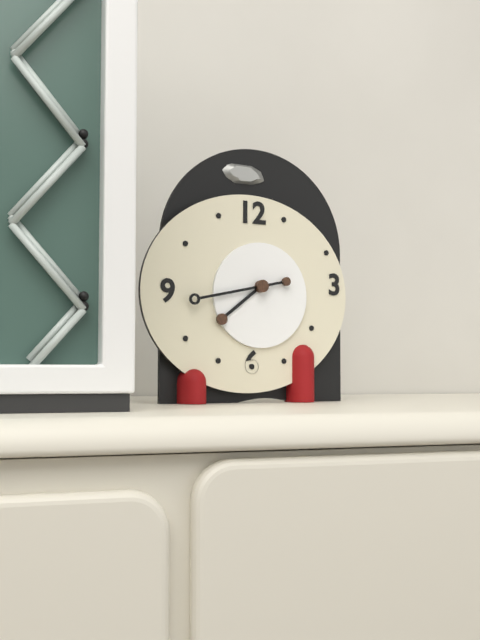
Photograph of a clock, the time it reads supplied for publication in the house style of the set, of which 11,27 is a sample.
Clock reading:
7,43
